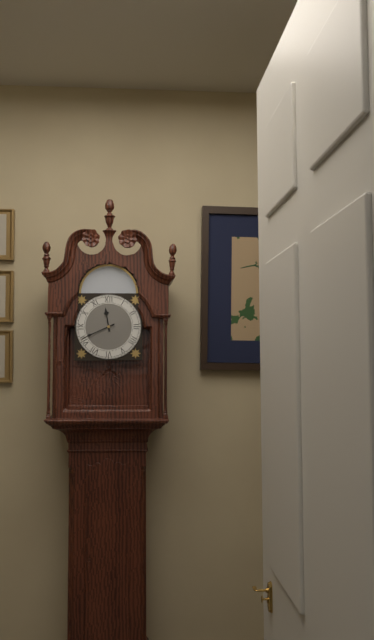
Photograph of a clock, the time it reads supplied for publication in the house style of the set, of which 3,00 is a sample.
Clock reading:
11,41
